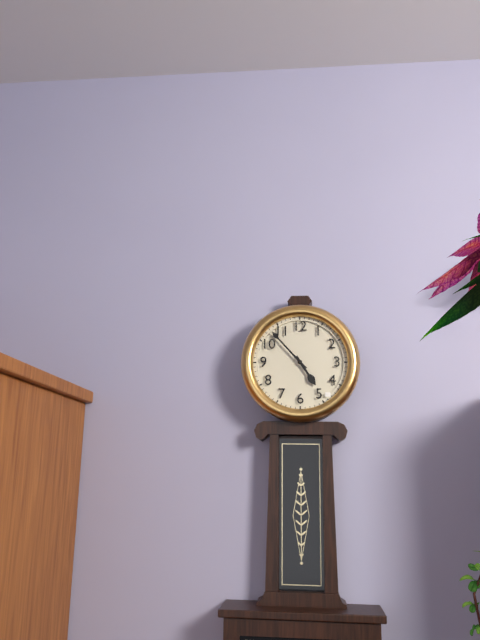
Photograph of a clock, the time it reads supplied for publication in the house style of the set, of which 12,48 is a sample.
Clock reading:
4,53
